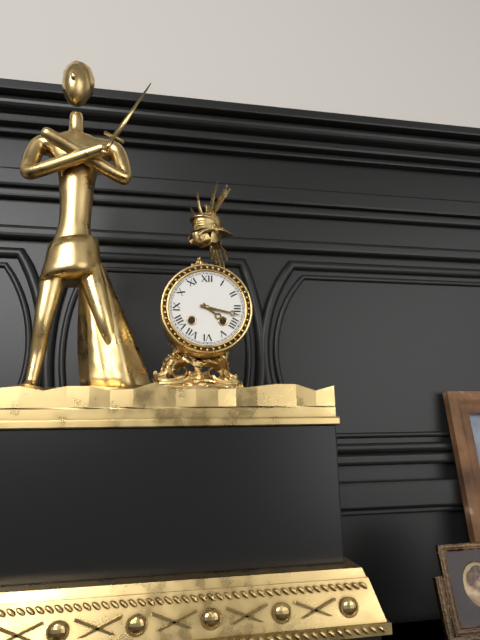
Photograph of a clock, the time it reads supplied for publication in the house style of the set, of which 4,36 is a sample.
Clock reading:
4,17
